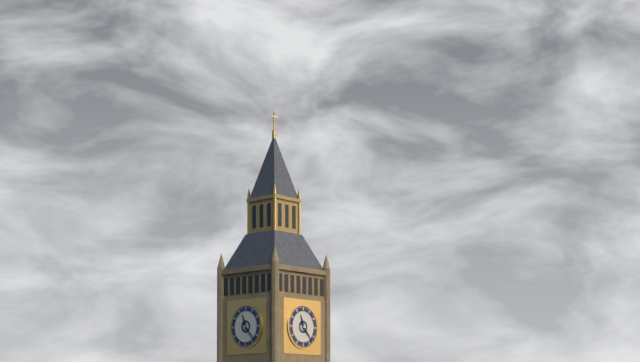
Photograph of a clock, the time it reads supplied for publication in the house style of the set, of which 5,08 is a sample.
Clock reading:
11,23
